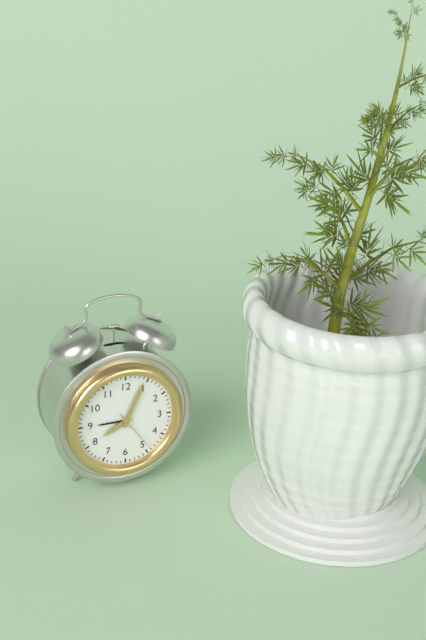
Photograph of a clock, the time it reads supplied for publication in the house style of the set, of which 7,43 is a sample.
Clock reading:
8,04
